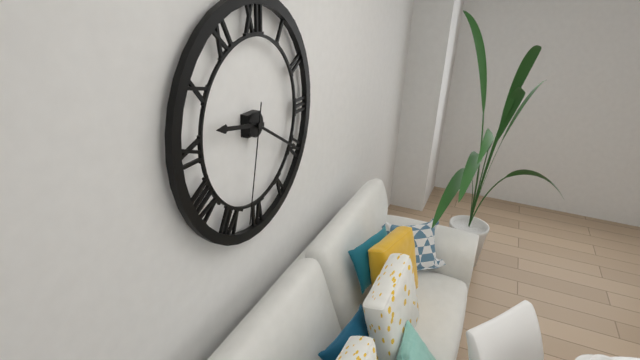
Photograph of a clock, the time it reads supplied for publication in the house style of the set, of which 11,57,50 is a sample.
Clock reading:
9,20,32
